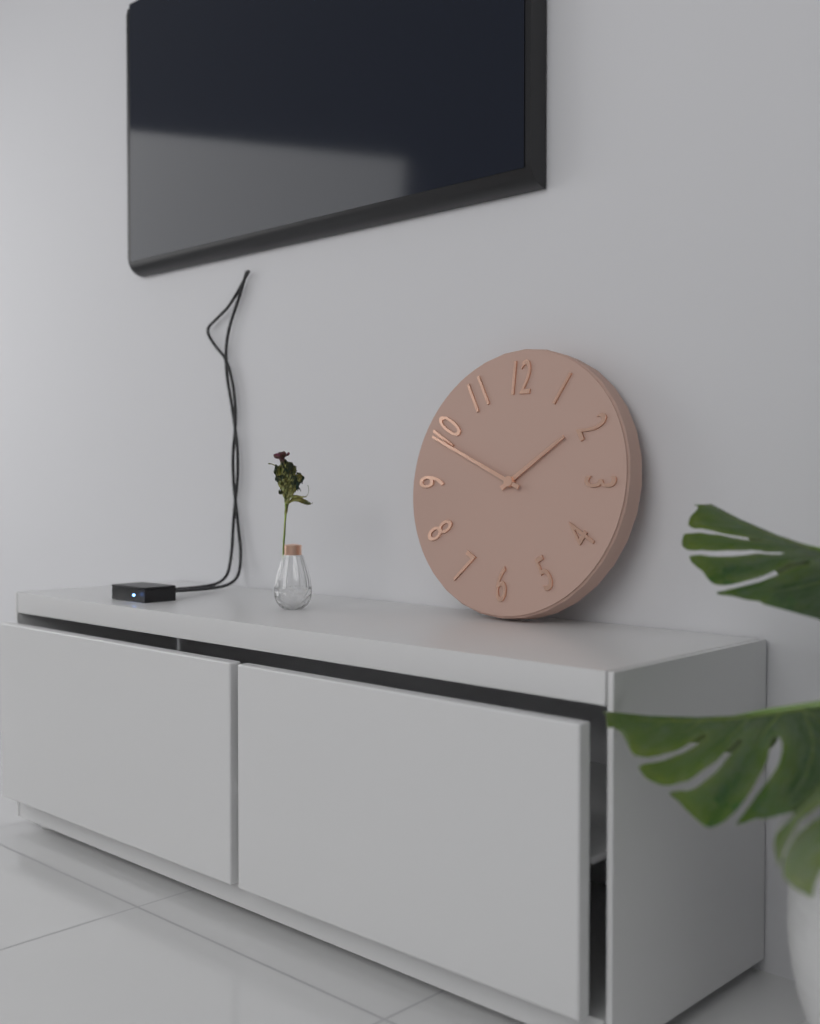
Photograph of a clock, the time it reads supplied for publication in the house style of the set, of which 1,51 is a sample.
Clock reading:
1,49
